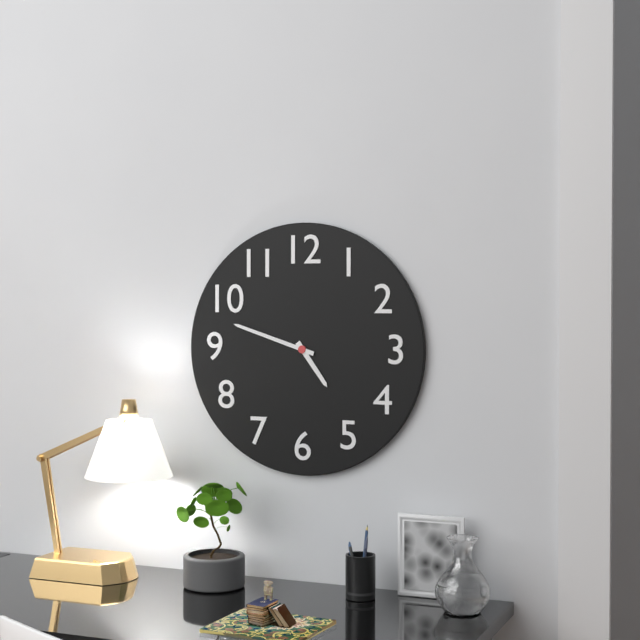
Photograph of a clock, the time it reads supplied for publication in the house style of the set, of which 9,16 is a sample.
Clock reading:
4,48
